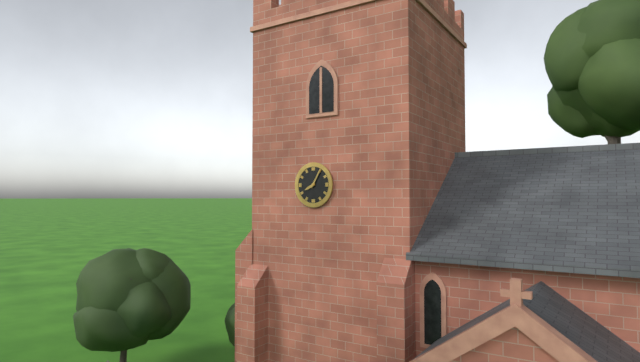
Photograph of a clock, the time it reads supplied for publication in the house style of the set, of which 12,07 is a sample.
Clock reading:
8,05
